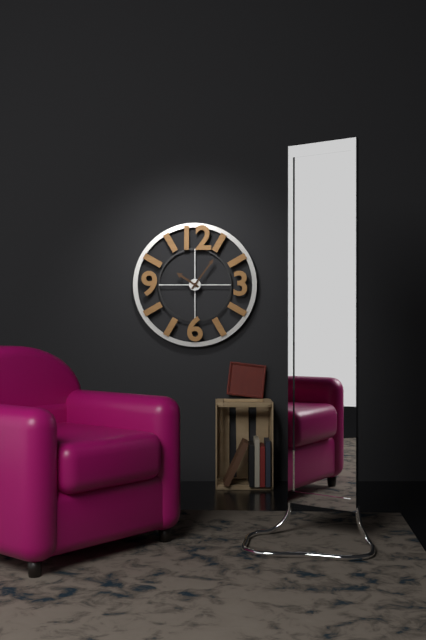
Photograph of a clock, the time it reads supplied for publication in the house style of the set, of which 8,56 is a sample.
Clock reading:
10,06
